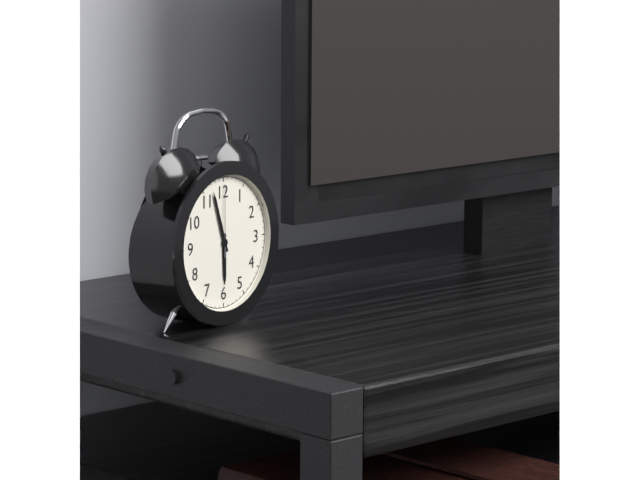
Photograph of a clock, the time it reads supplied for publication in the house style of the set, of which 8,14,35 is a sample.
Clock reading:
5,57,00
